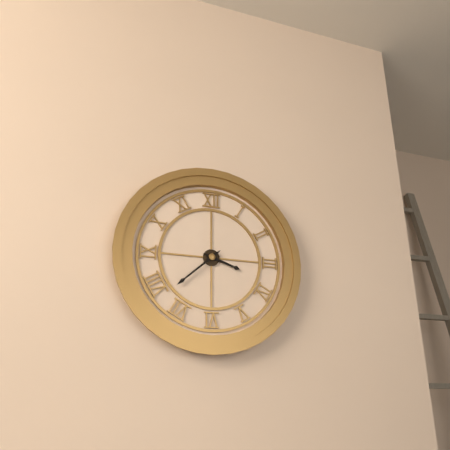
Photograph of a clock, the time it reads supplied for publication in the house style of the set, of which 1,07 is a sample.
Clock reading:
3,38
